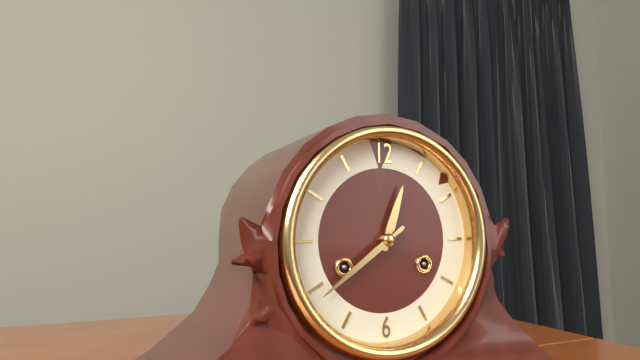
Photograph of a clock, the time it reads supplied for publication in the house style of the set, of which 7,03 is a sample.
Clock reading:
12,39
